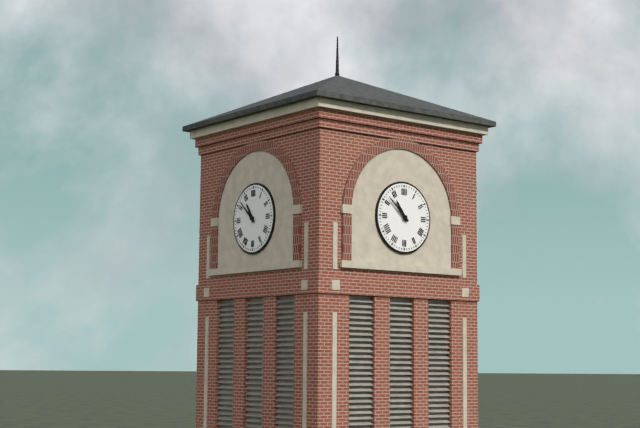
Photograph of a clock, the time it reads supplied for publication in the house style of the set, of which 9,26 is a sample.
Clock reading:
10,52
